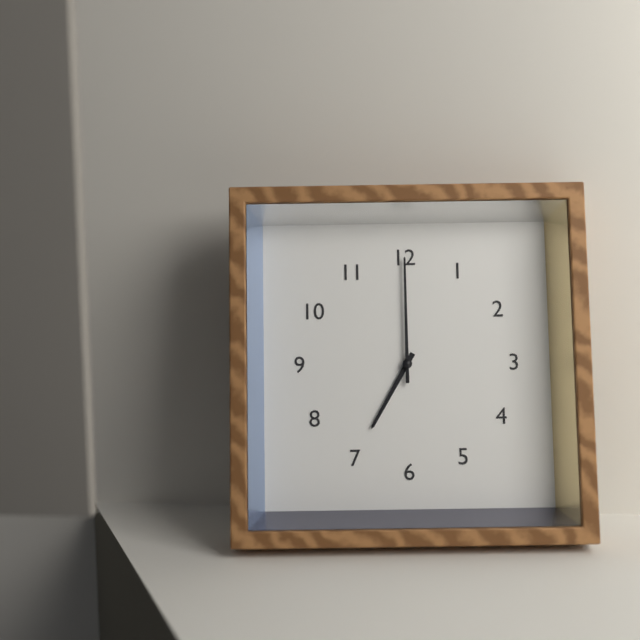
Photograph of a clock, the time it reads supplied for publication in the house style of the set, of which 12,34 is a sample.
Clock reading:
7,00
